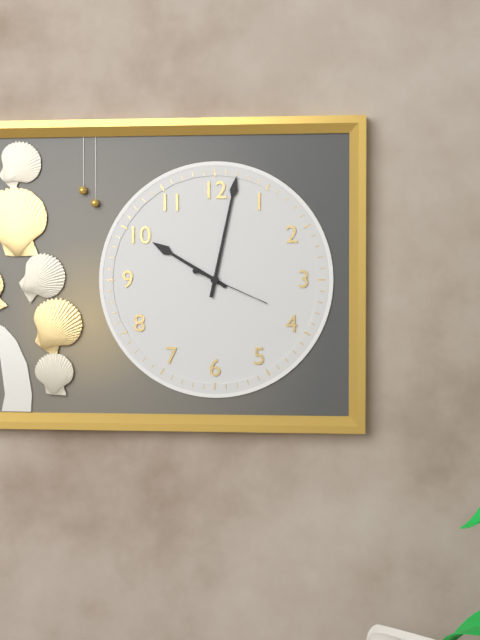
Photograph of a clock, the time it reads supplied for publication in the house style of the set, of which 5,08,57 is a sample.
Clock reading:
10,02,19
